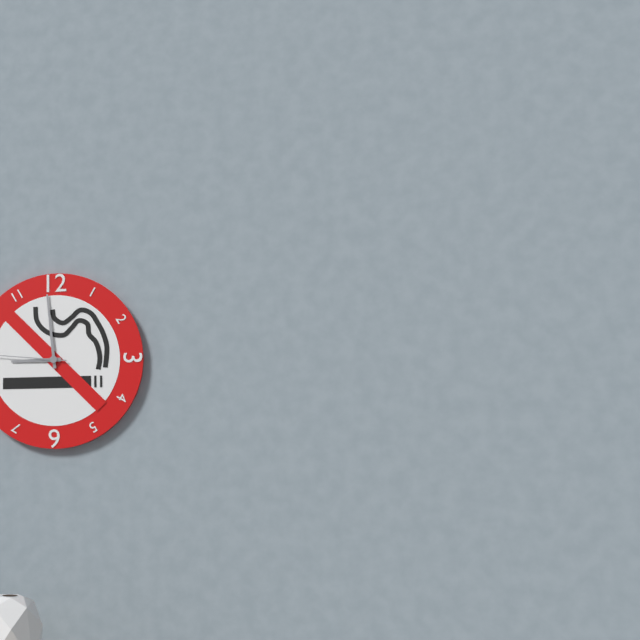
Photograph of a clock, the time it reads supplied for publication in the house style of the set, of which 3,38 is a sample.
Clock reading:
8,59
